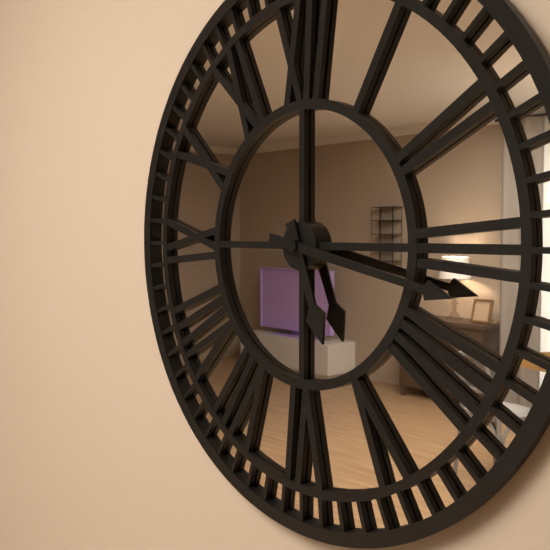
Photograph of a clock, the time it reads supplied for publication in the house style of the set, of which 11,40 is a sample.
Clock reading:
5,17
